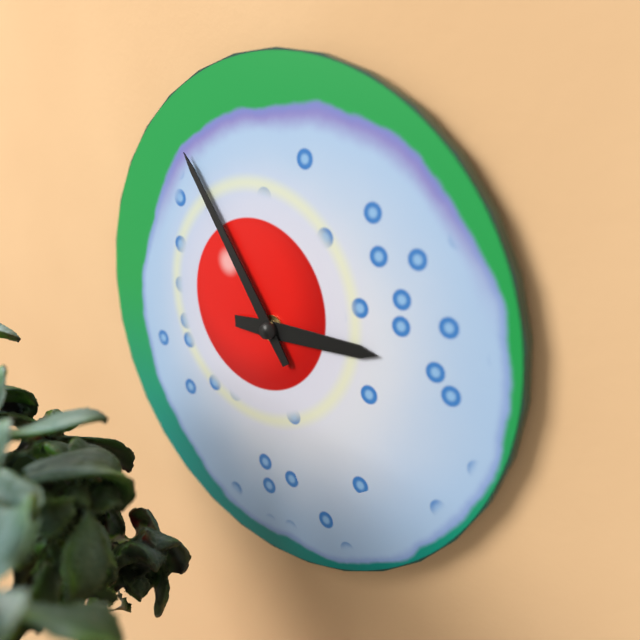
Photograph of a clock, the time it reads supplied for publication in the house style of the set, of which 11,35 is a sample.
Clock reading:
2,54
